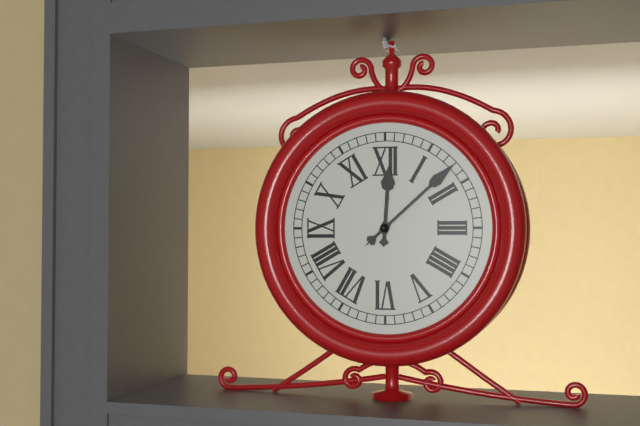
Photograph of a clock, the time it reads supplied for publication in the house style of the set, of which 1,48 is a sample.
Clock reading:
12,08
